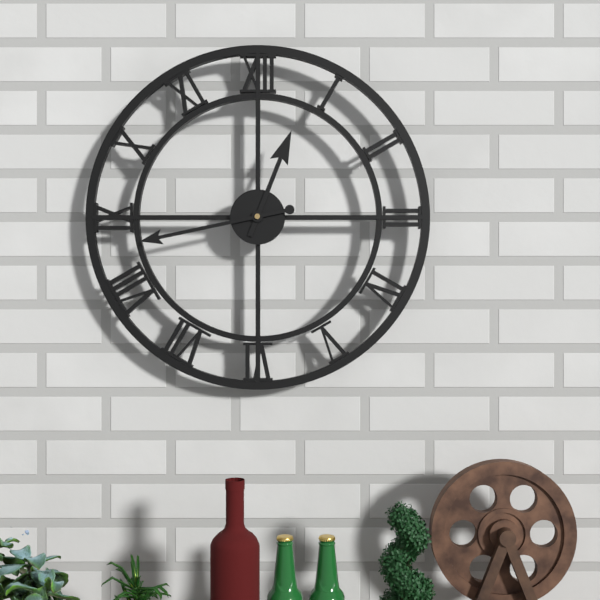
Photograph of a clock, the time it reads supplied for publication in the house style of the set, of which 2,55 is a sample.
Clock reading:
12,43
